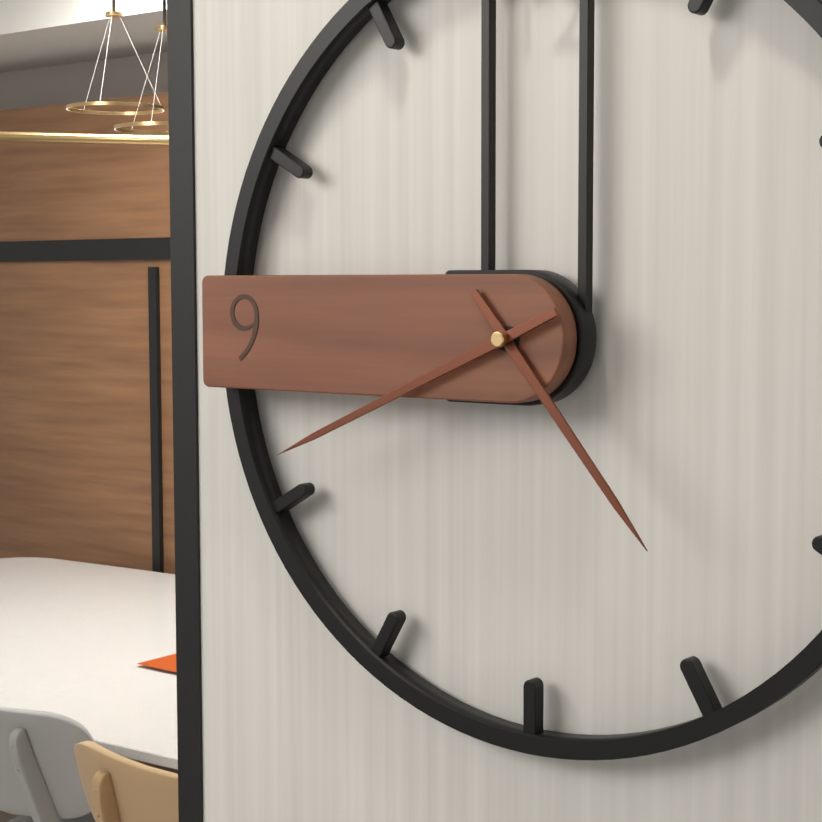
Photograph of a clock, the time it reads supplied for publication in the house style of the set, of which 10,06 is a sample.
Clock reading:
4,41
